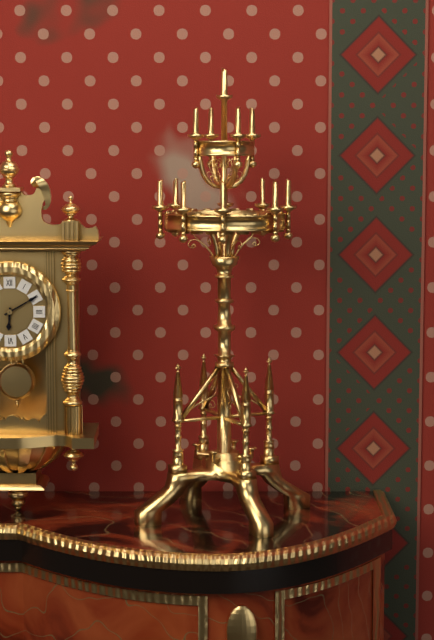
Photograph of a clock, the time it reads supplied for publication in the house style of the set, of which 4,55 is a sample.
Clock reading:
6,10
